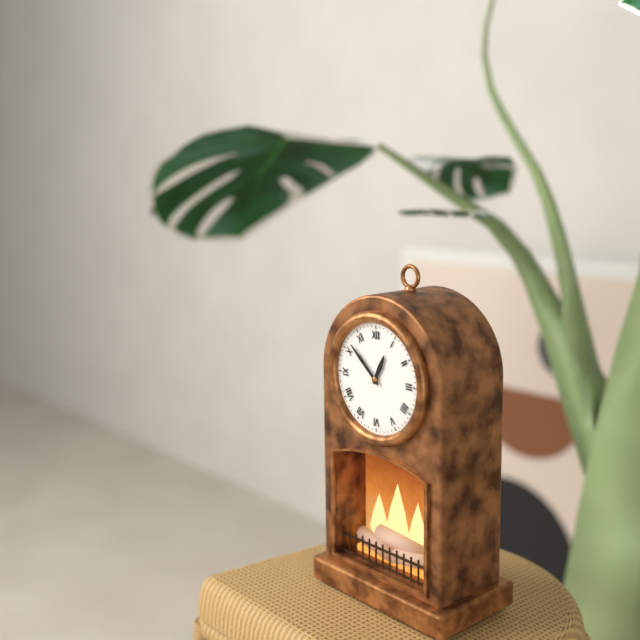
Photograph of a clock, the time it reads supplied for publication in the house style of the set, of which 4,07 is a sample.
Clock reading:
12,52
